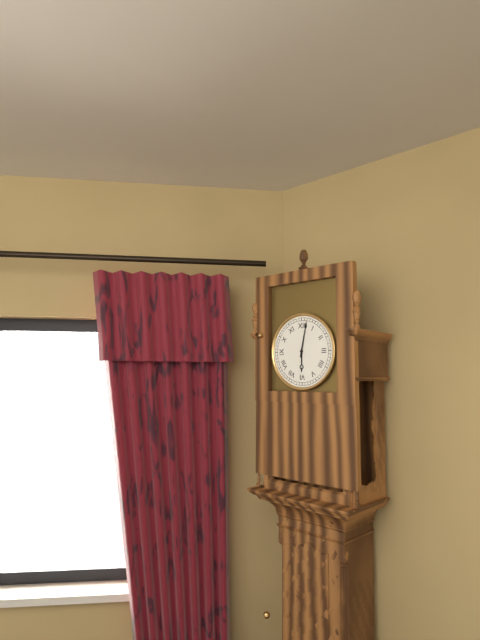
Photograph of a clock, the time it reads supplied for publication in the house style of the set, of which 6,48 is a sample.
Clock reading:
6,02
